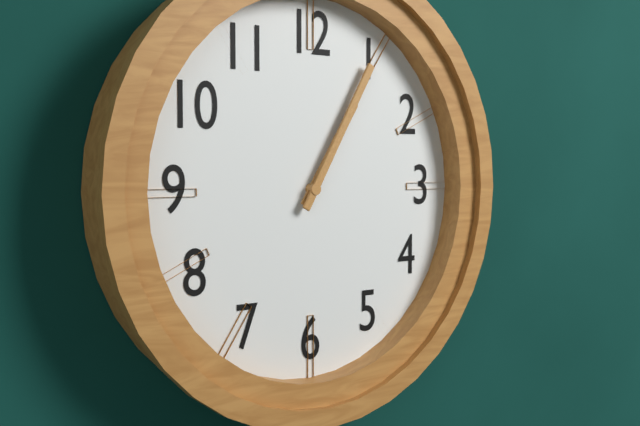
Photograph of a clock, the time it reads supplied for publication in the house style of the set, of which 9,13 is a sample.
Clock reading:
1,05
